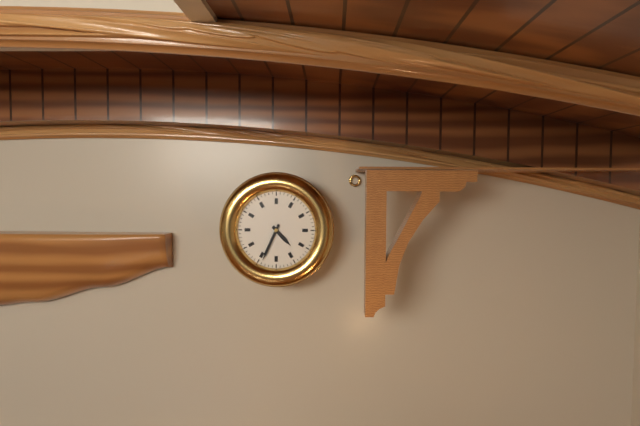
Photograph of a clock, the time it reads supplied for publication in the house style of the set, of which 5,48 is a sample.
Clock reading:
4,34
